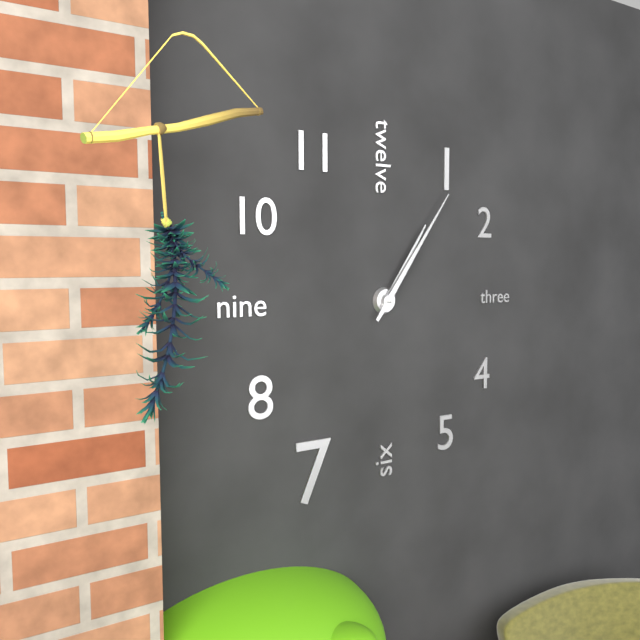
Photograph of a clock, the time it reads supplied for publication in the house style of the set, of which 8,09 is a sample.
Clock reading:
1,06
